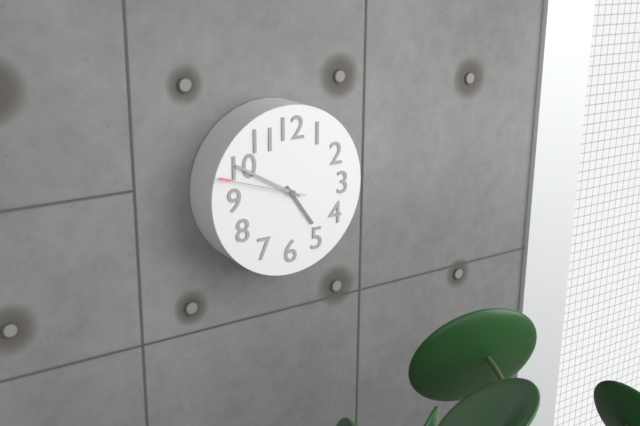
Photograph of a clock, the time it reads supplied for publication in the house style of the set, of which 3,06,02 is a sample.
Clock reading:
4,50,48
